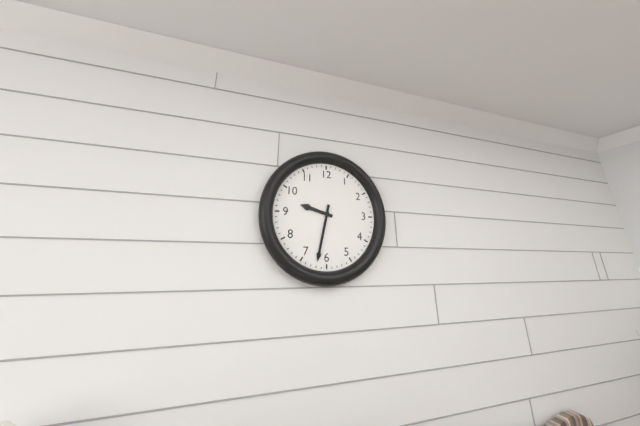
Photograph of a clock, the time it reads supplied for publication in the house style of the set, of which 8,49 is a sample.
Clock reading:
9,32
